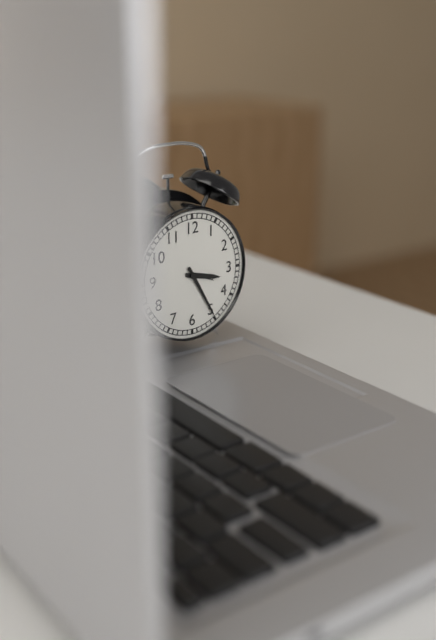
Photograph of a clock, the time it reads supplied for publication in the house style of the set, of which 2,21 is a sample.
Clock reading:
3,25
